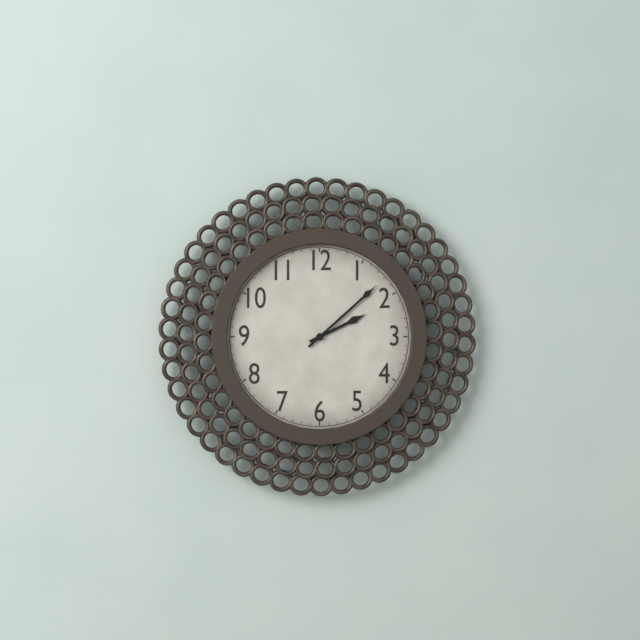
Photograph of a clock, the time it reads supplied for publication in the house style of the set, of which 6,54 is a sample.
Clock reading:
2,08
